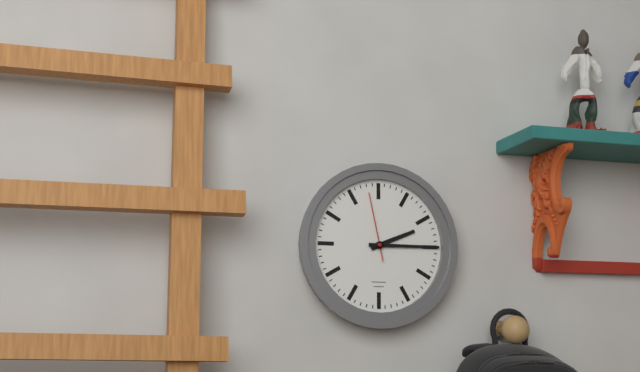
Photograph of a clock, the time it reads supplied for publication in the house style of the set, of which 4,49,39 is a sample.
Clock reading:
2,15,58
